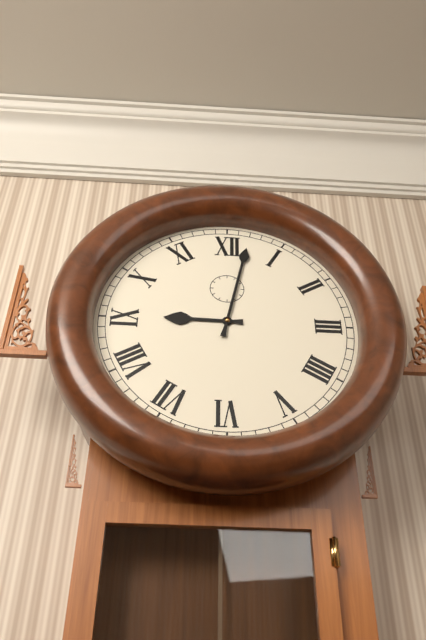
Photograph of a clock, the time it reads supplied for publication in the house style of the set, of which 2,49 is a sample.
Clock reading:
9,02
